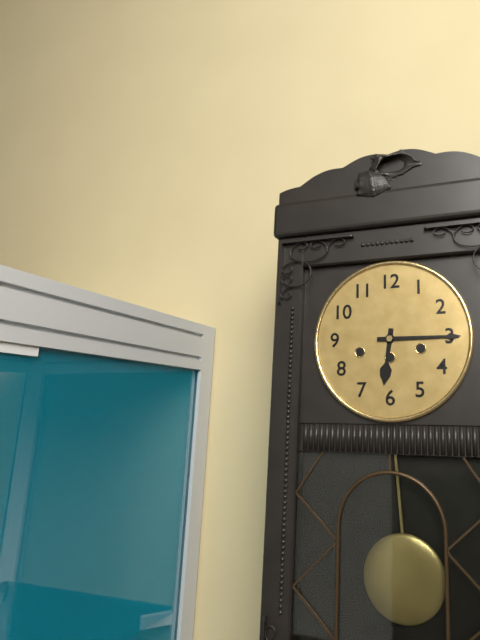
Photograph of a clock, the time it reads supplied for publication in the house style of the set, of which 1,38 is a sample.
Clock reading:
6,15
